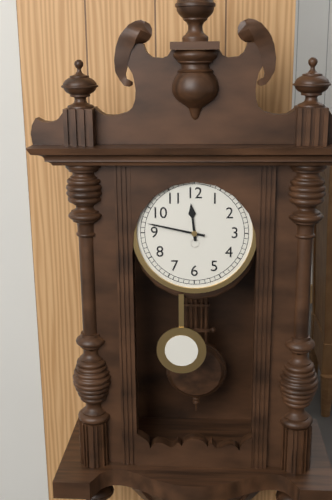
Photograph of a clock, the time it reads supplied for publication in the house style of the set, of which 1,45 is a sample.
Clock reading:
11,47
